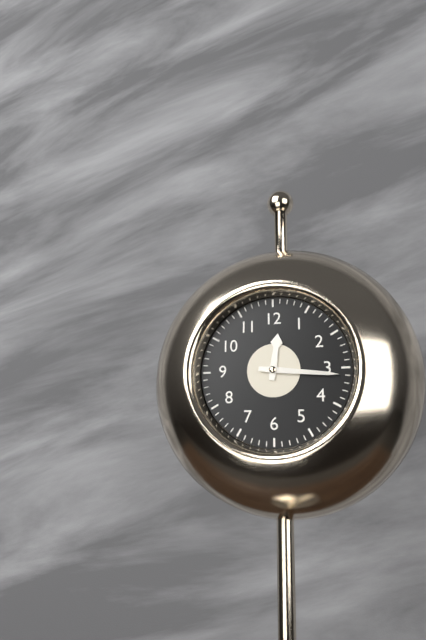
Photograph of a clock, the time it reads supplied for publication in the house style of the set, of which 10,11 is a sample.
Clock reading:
12,16
